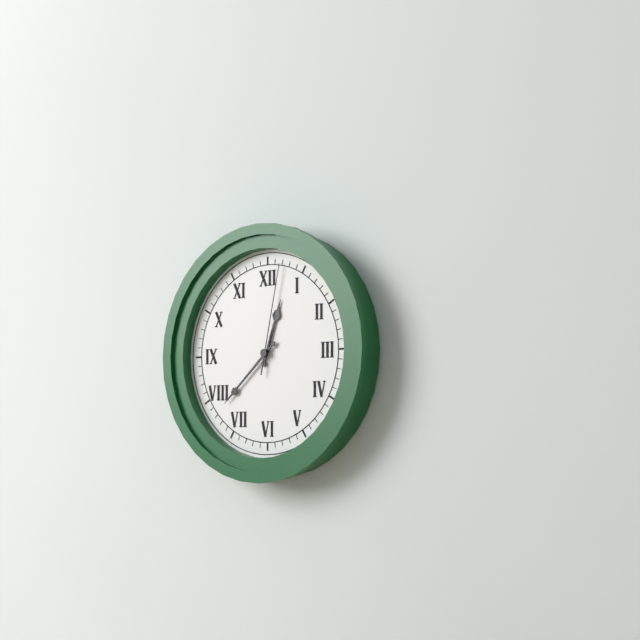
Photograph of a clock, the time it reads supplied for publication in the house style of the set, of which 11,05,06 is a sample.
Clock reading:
12,38,02
